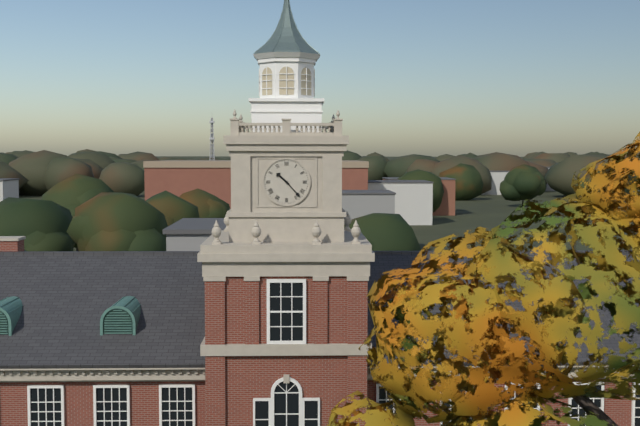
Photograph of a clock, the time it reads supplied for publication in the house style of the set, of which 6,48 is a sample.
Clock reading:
10,23
